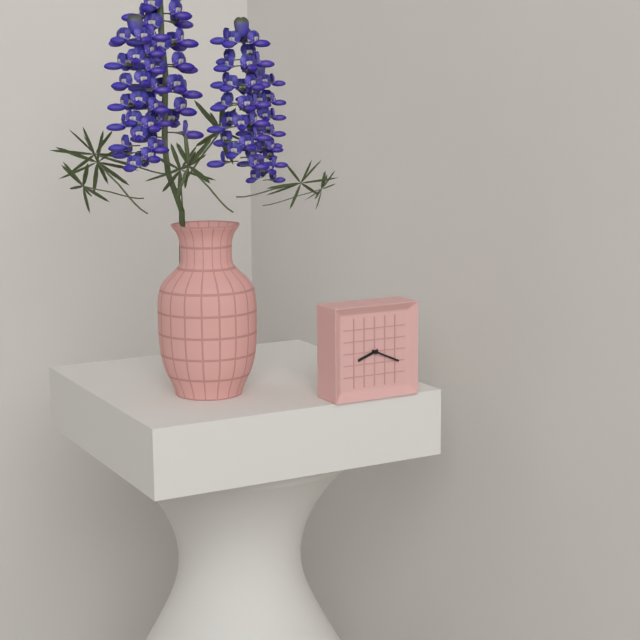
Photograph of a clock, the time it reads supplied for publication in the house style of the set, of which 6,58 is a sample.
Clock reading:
8,19
